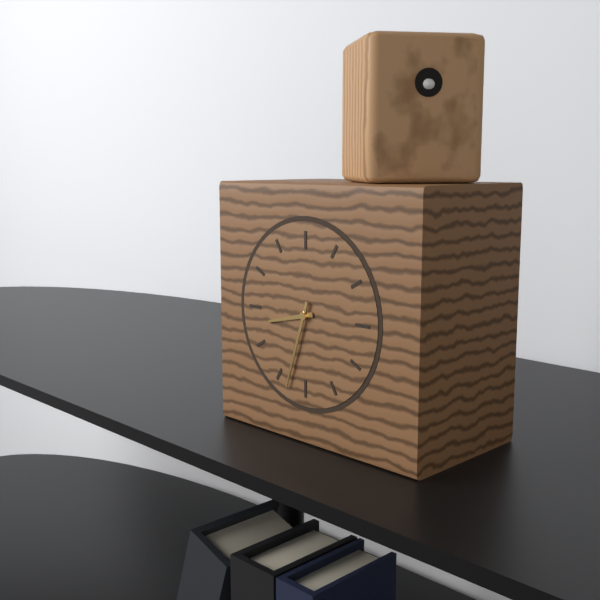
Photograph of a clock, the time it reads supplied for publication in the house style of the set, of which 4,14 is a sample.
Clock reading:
8,33
